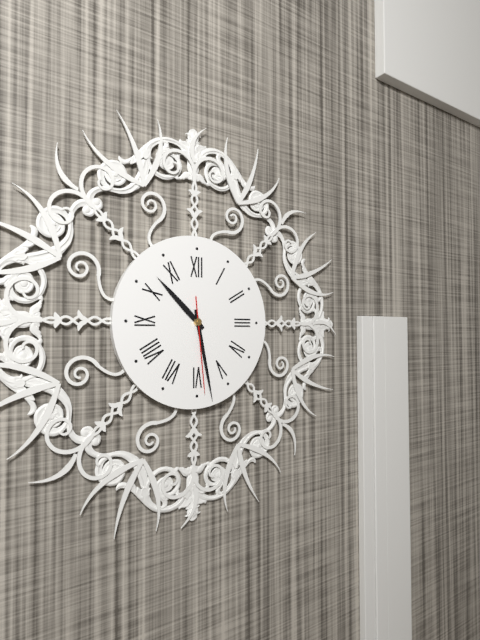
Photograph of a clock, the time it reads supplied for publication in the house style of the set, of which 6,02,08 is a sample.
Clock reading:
10,28,29
